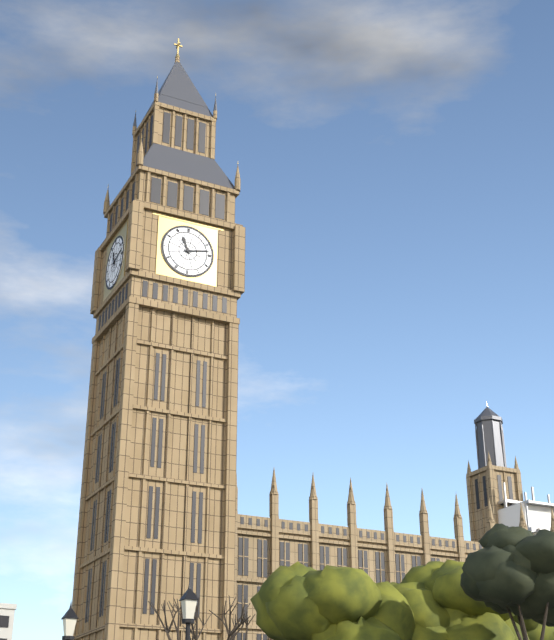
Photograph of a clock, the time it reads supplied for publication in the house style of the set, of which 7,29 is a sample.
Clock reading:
11,13
